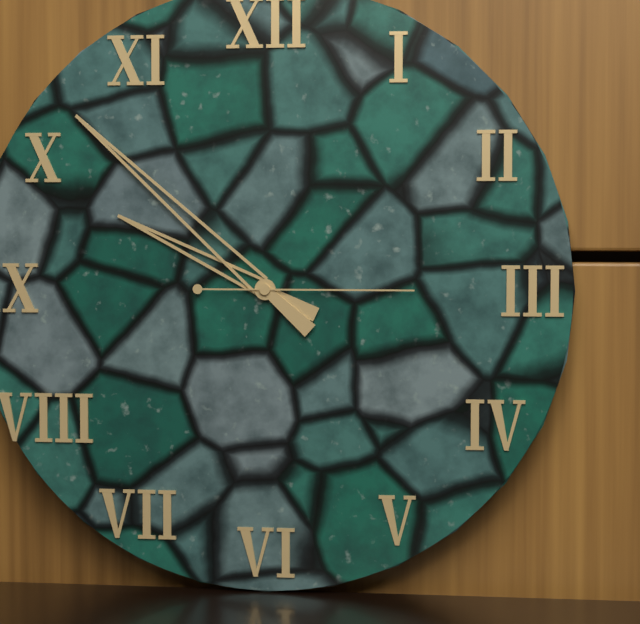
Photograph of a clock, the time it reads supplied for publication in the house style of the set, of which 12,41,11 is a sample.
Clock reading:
9,52,15
